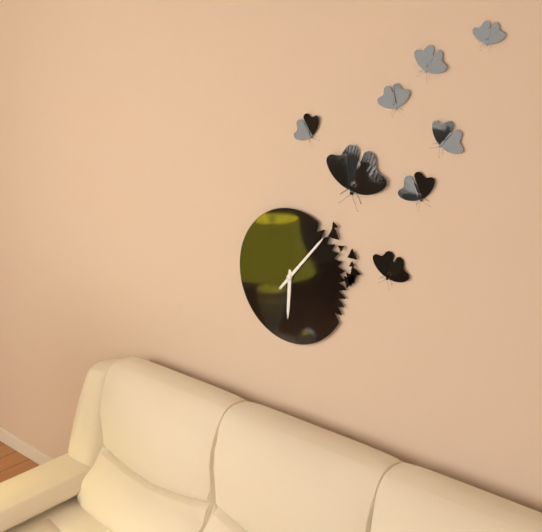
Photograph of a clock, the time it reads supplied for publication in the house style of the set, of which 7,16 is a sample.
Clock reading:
6,07
